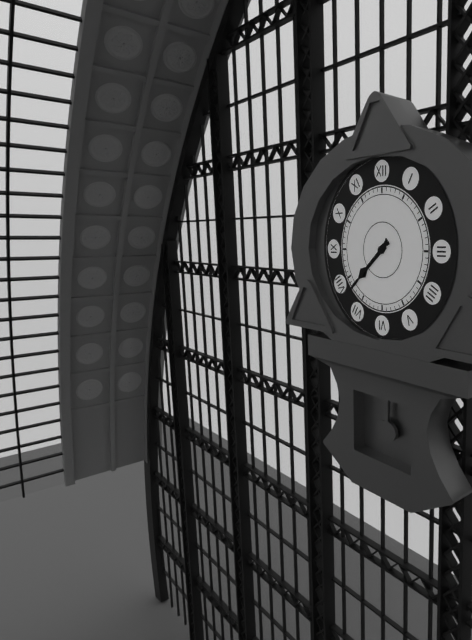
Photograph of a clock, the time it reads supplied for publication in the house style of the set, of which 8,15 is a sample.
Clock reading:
7,38
